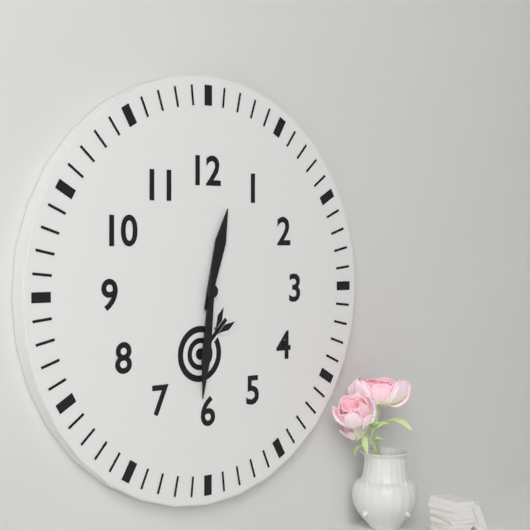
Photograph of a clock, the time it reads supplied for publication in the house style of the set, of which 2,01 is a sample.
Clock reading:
12,31
